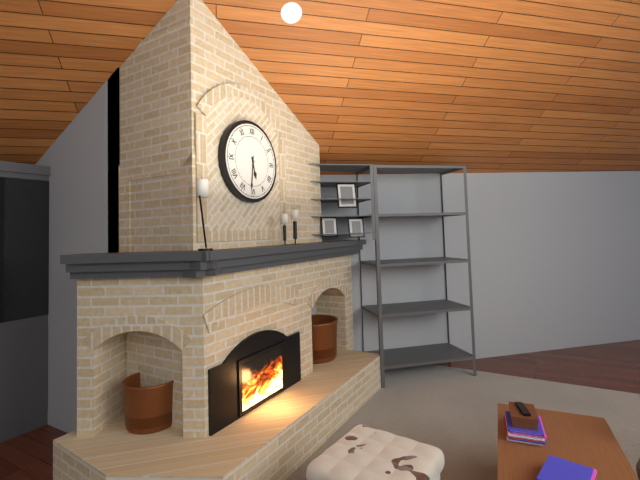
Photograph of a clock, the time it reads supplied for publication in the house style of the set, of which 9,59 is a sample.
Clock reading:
5,31
